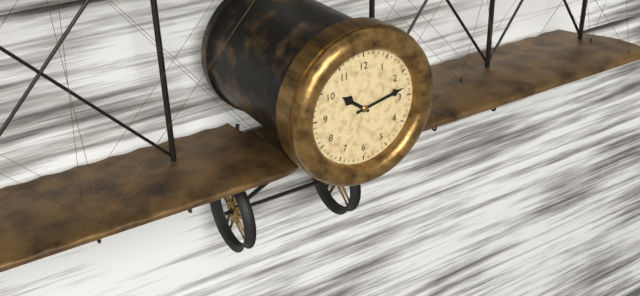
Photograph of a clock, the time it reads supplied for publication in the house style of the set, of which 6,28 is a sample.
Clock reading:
10,13
